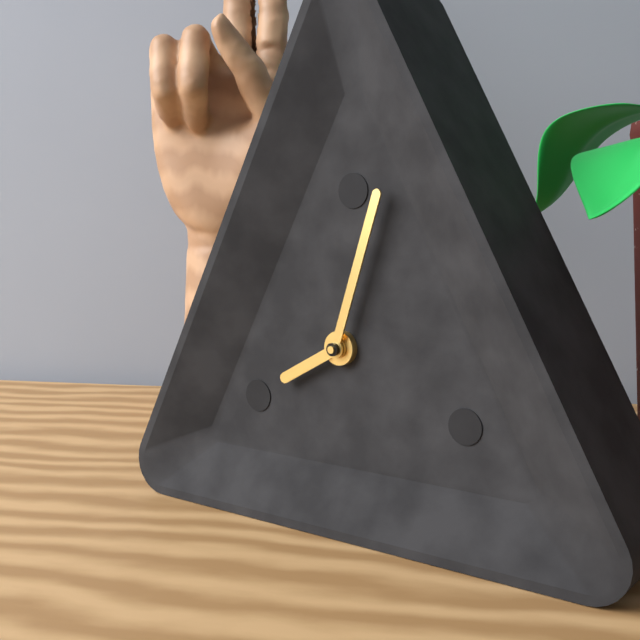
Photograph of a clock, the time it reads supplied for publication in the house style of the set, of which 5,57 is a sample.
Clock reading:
8,03
